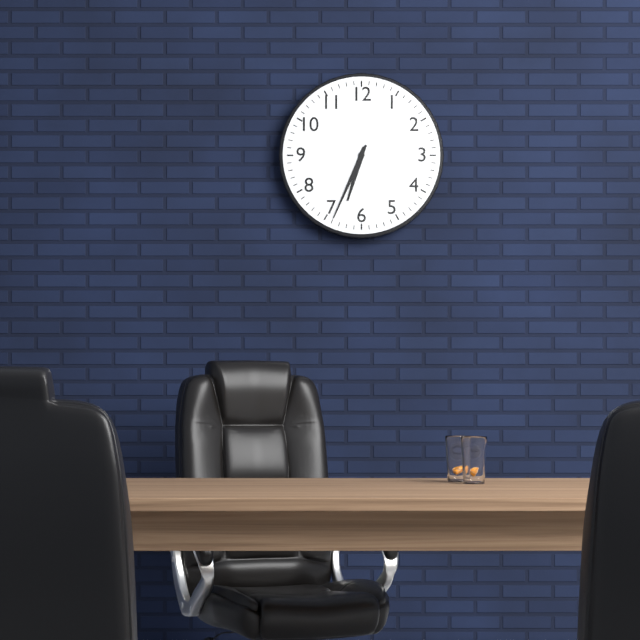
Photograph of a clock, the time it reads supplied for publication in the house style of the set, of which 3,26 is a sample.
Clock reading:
6,34
